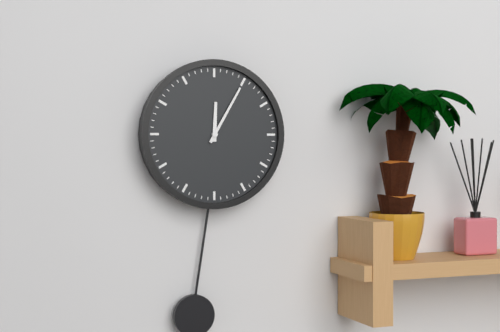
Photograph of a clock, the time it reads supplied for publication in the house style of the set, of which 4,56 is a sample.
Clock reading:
12,05
